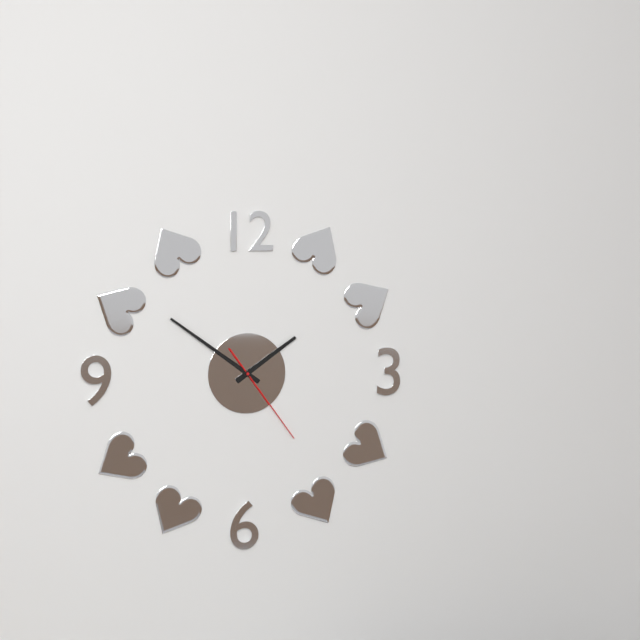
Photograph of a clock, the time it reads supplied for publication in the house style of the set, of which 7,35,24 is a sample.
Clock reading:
1,51,24
